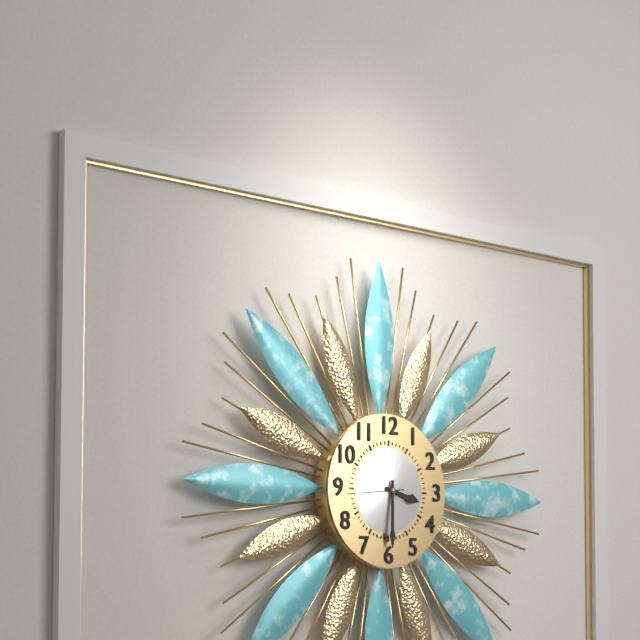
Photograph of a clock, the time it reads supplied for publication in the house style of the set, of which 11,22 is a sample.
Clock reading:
3,30
